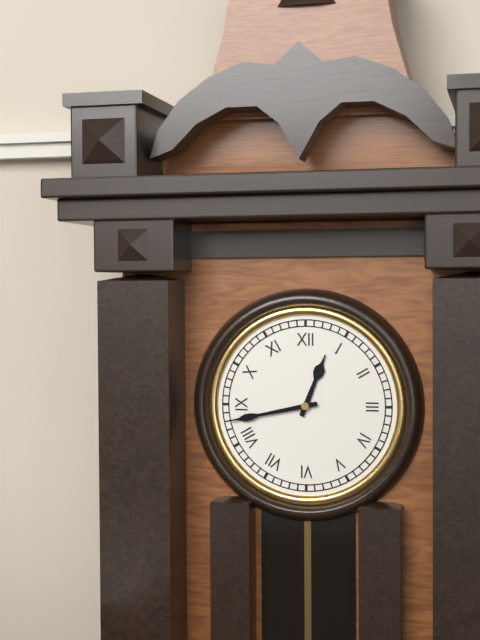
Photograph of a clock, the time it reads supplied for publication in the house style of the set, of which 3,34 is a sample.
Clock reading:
12,43
